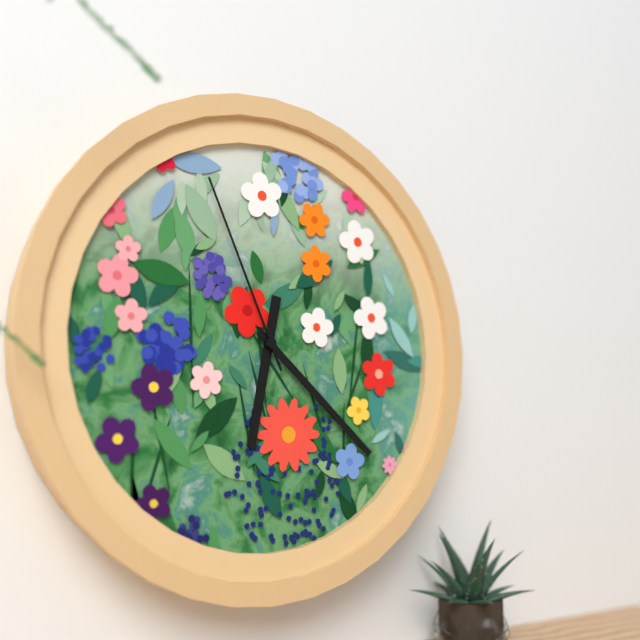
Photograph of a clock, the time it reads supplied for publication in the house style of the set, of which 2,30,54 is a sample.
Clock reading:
6,22,56
